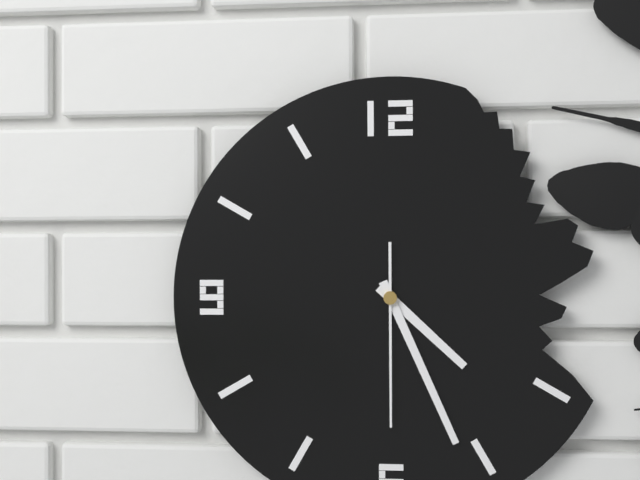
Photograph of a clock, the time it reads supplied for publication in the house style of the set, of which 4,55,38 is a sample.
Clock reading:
4,26,30
